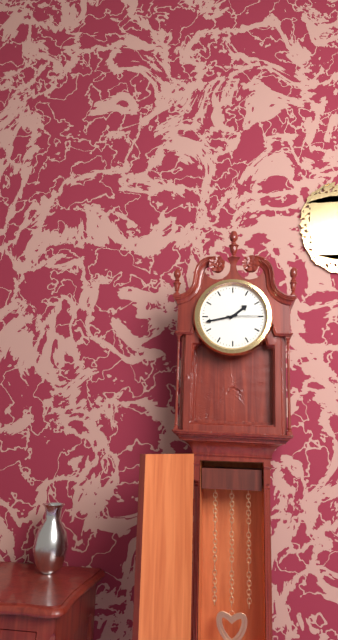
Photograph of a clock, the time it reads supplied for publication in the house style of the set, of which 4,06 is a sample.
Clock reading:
1,43
